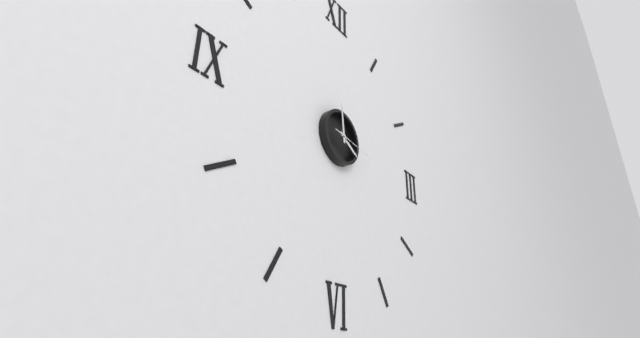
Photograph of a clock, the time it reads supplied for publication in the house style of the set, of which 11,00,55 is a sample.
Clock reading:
3,59,16
